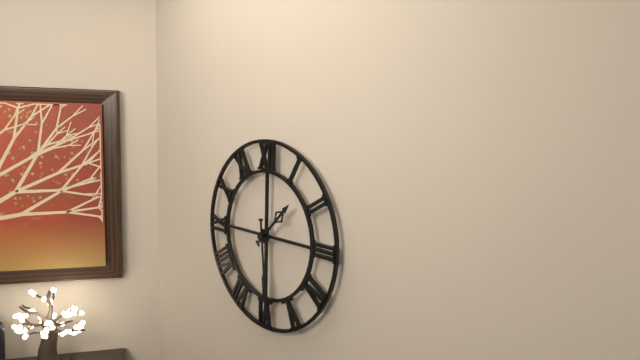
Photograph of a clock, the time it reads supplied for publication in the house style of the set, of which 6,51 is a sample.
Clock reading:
1,29
